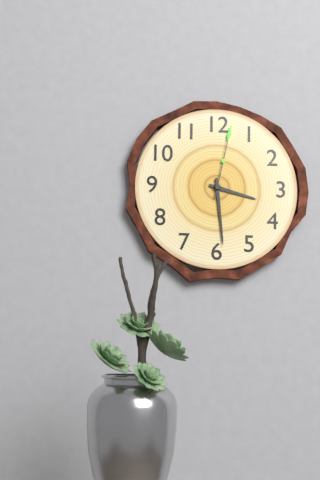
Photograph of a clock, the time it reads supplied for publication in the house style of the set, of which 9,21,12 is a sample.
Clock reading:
3,29,02
